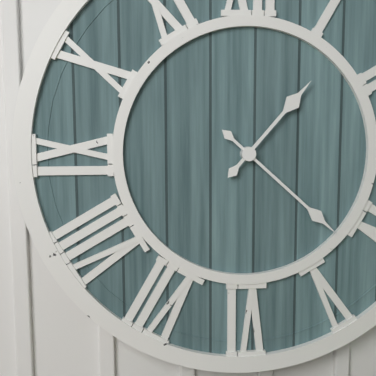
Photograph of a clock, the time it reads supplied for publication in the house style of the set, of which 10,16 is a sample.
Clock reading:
1,22
